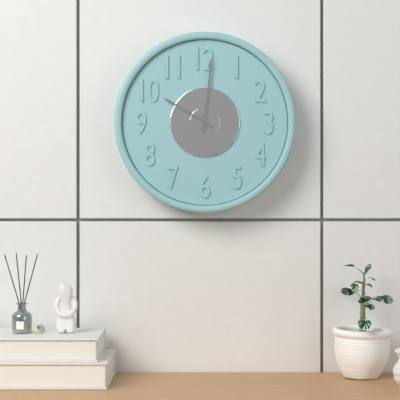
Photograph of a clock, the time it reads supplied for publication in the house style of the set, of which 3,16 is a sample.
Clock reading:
10,01
